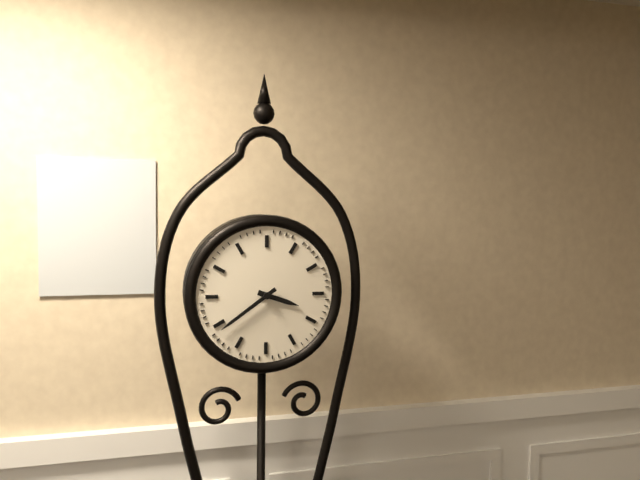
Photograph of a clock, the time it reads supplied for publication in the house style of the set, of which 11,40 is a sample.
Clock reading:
3,39
